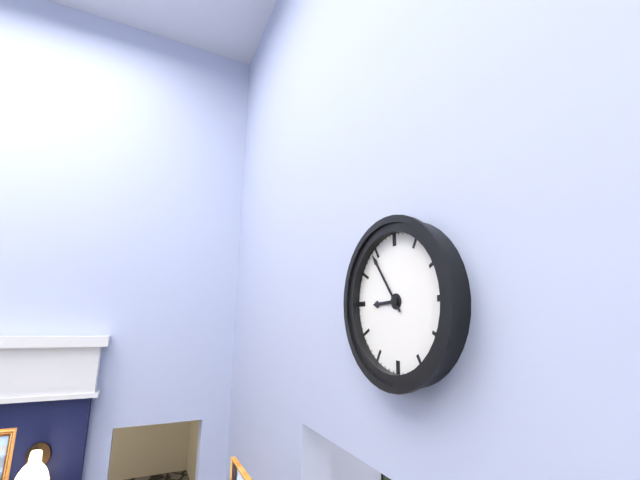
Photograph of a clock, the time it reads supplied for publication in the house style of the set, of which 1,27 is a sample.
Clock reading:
8,54
